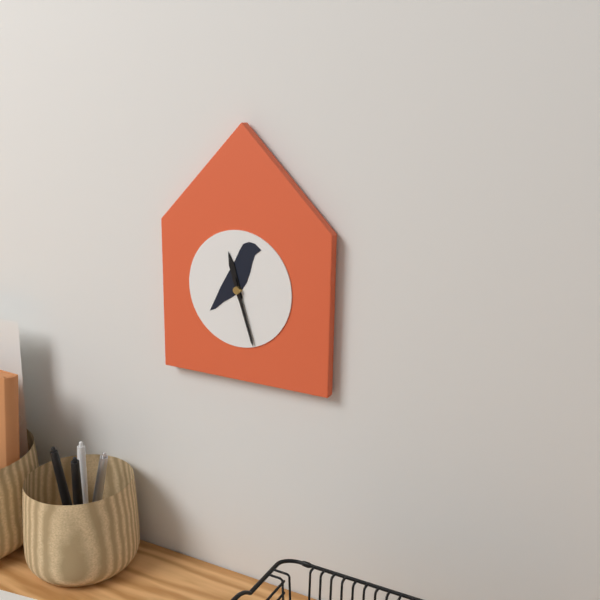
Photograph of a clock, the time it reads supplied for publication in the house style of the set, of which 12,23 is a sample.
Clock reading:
11,27
